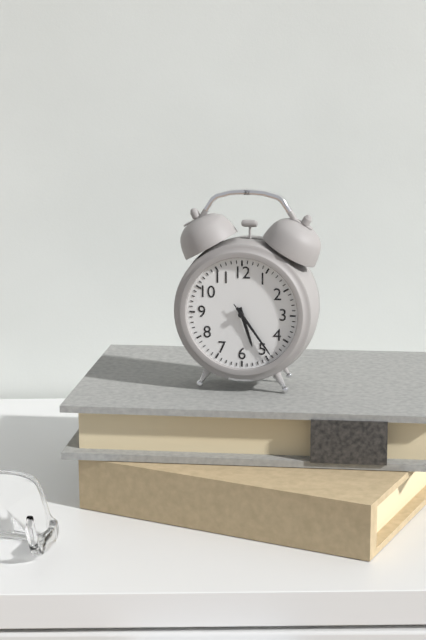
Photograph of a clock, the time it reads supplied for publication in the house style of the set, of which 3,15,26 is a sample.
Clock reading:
5,24,24
